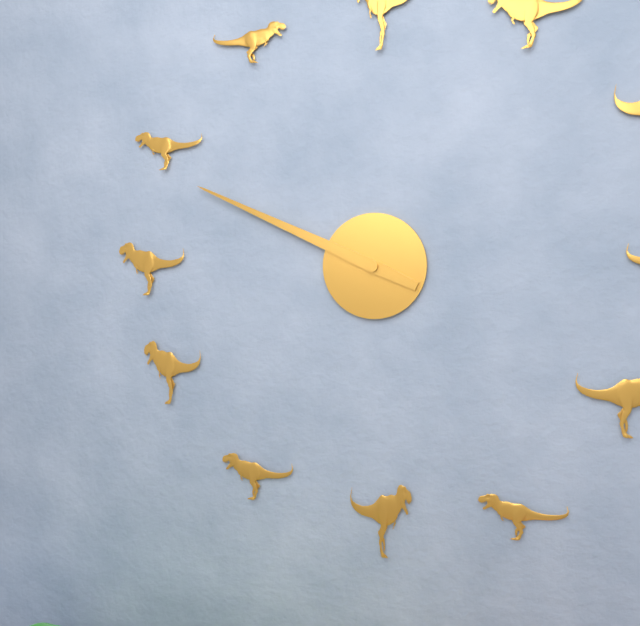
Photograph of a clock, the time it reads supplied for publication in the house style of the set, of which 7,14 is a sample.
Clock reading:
9,49
